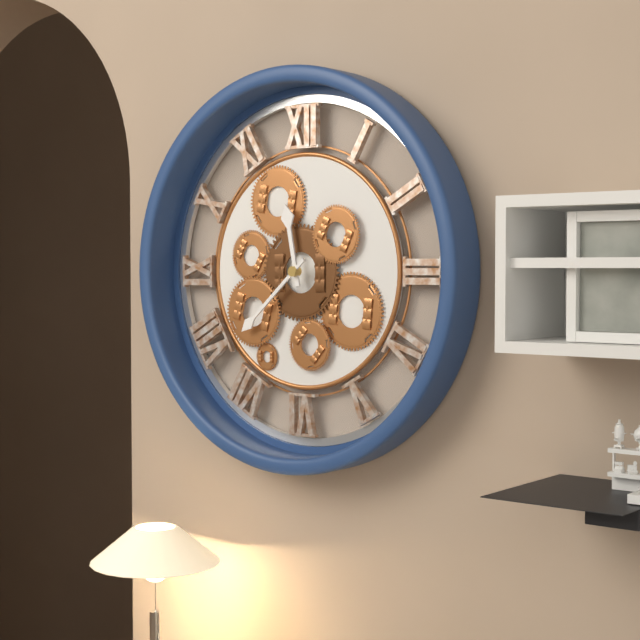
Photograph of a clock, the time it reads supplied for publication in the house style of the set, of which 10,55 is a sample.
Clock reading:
11,38
